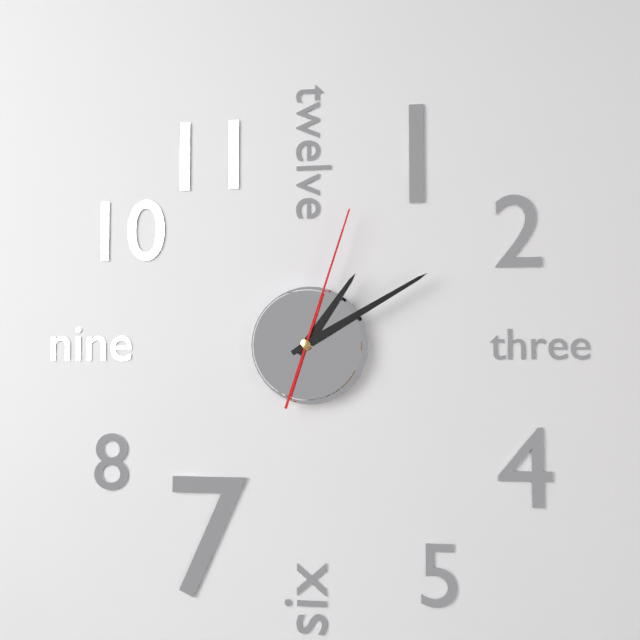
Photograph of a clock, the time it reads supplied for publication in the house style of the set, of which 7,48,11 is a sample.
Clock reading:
1,10,03
